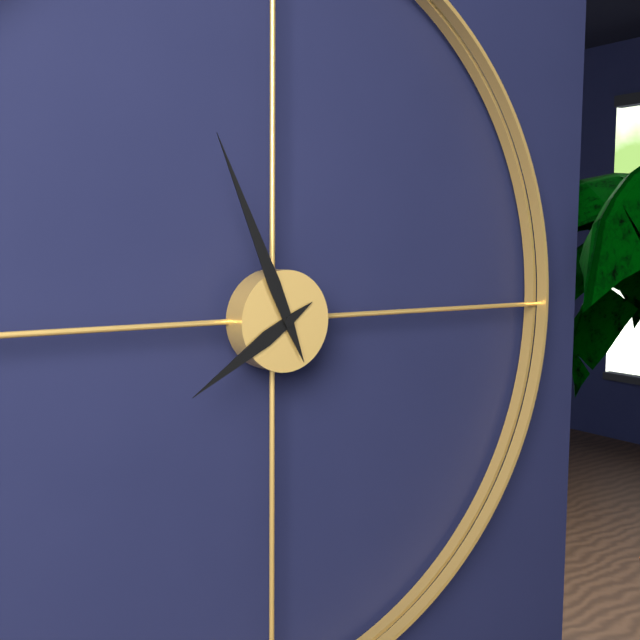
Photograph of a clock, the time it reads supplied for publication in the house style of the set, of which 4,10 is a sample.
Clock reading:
7,56
